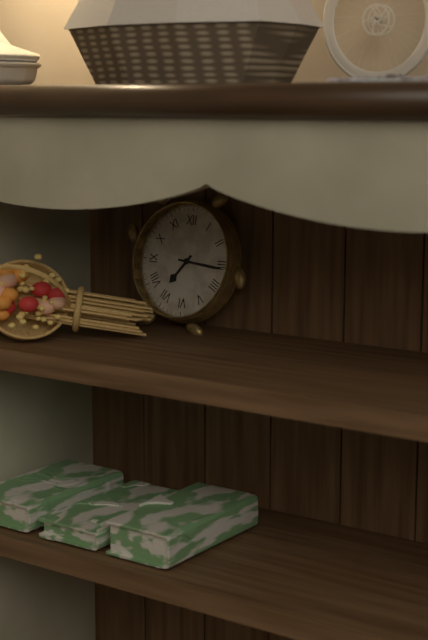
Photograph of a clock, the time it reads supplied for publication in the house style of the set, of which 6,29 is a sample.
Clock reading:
7,16
